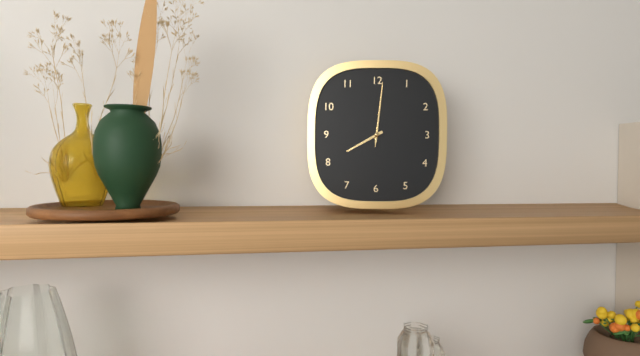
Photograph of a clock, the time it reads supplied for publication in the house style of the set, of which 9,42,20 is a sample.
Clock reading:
8,01,01
